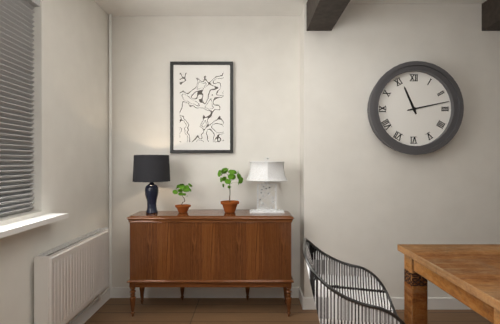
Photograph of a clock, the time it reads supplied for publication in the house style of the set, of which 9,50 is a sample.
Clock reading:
11,13
